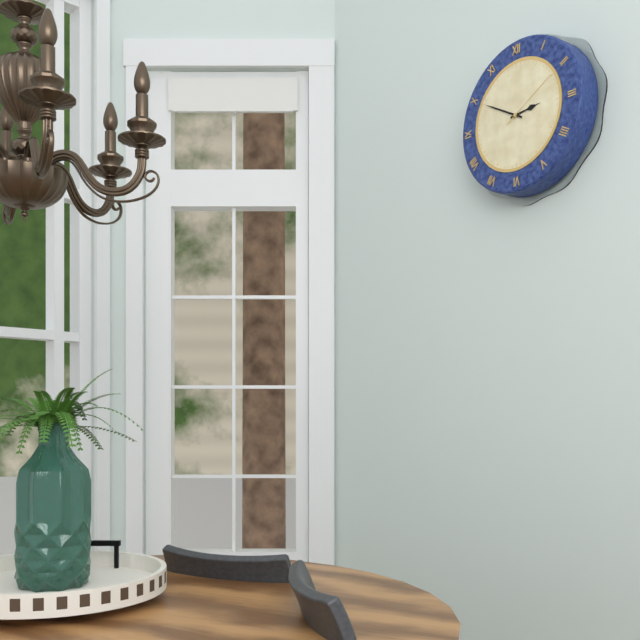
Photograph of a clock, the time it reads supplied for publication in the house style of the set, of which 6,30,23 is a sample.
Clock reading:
2,50,10
